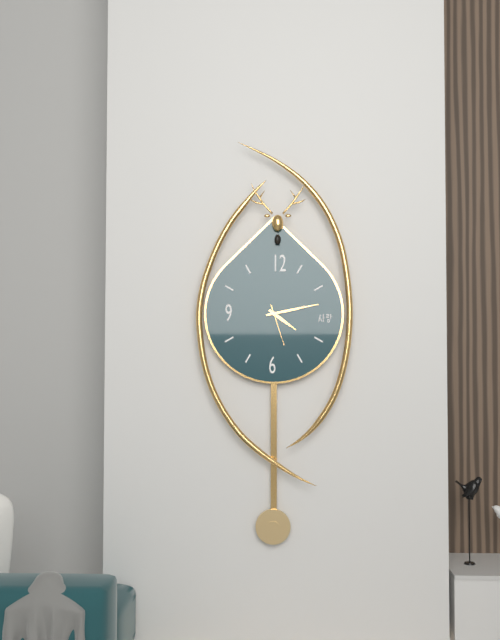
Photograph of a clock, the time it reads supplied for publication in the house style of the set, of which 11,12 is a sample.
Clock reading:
4,13
